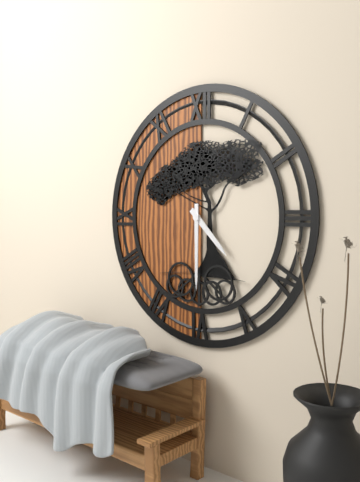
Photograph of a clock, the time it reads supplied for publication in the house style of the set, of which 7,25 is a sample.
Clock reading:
4,30
